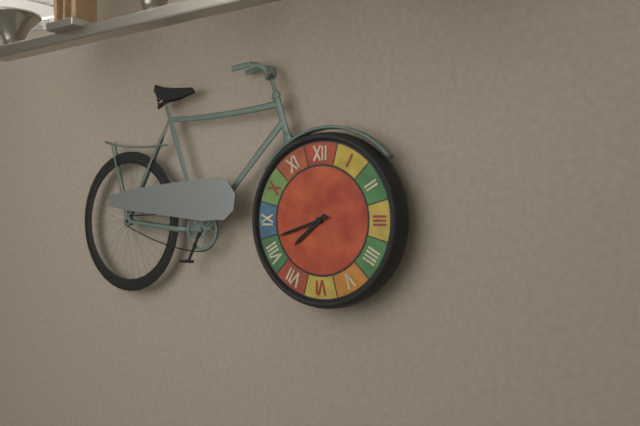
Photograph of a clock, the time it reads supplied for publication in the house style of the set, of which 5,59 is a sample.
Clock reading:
7,42
